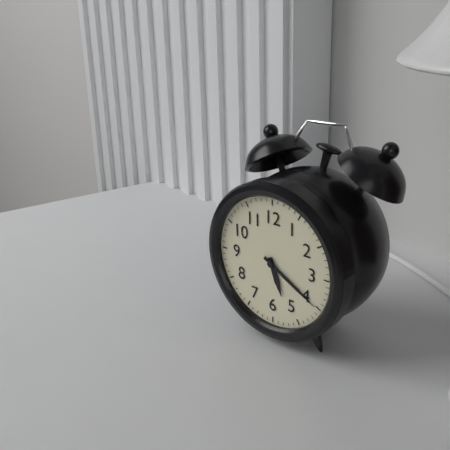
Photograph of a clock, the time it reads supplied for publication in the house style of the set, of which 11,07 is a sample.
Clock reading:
5,20
